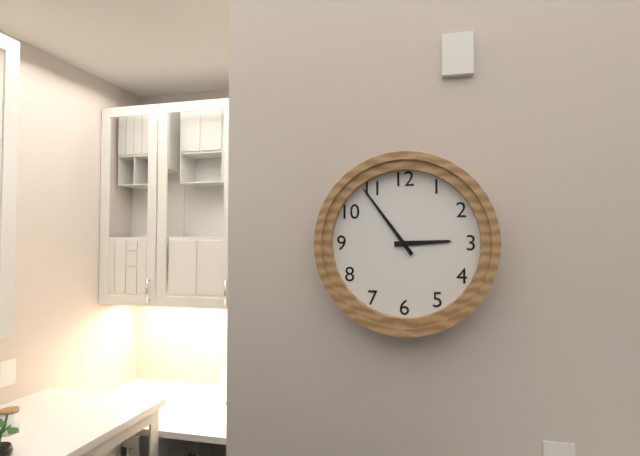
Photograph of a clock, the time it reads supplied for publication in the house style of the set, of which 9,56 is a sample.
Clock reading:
2,54
